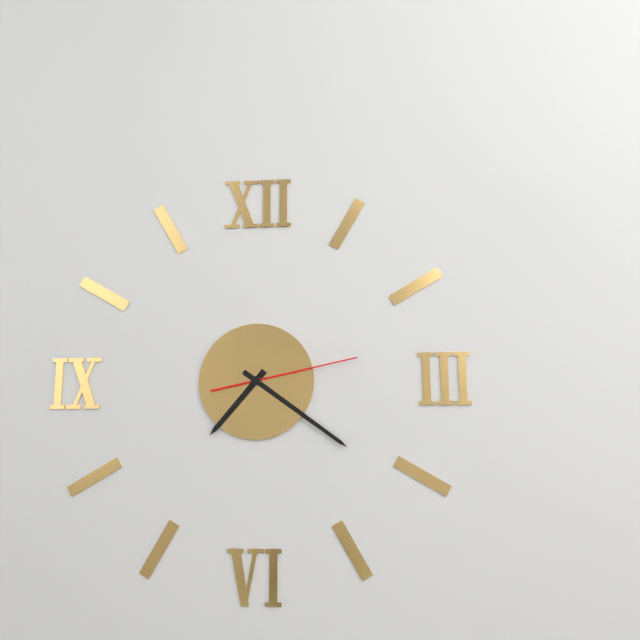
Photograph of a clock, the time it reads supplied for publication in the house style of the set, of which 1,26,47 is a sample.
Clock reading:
7,21,13
